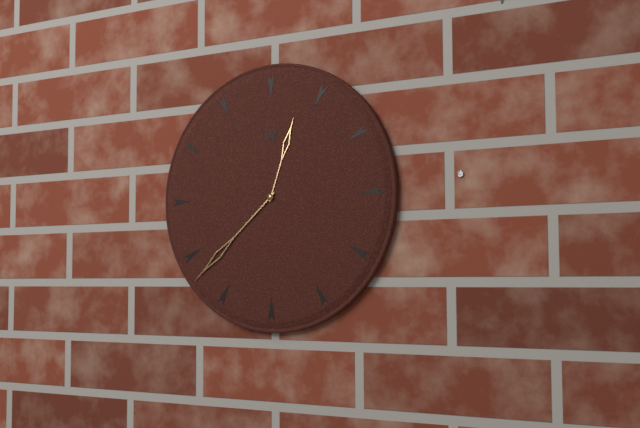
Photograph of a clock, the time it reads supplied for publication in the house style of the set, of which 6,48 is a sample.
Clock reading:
12,38
